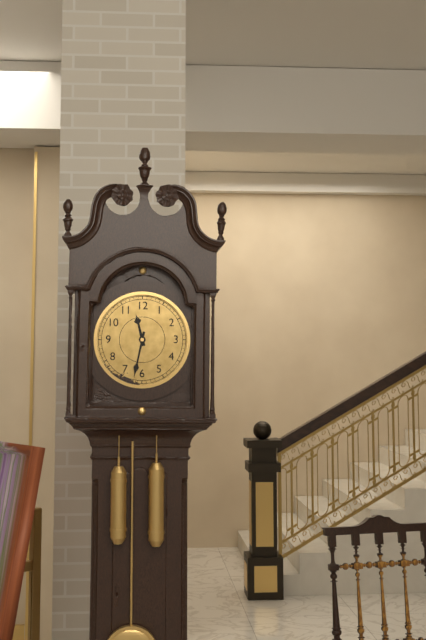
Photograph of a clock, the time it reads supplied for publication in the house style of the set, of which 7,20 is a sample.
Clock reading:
11,32
